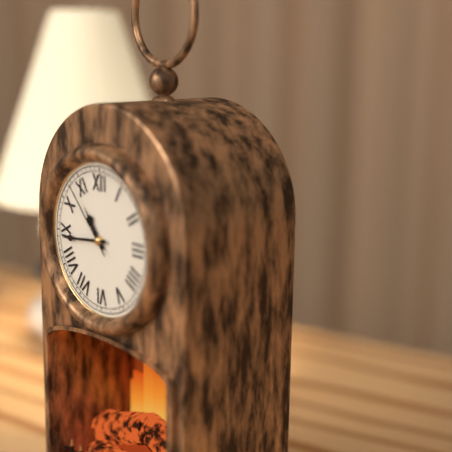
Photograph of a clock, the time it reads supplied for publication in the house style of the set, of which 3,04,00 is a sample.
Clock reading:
10,44,53
